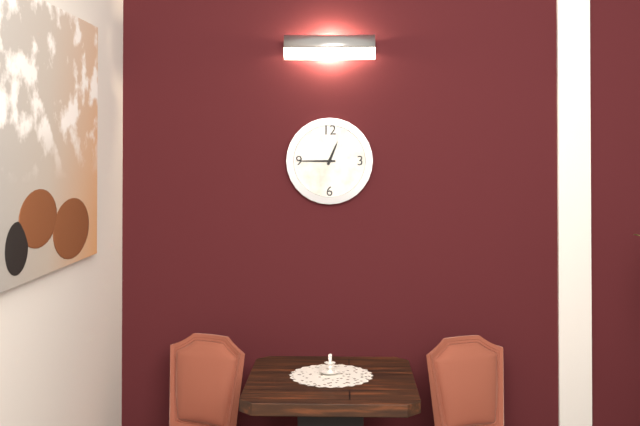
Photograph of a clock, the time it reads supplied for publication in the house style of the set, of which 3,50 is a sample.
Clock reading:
12,45
